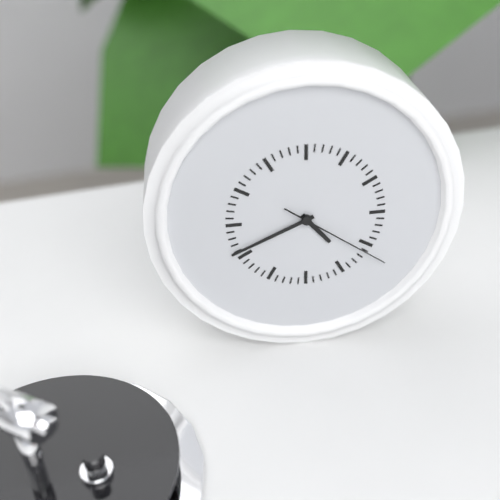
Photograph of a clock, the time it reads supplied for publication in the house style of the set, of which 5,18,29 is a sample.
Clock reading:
4,41,21
